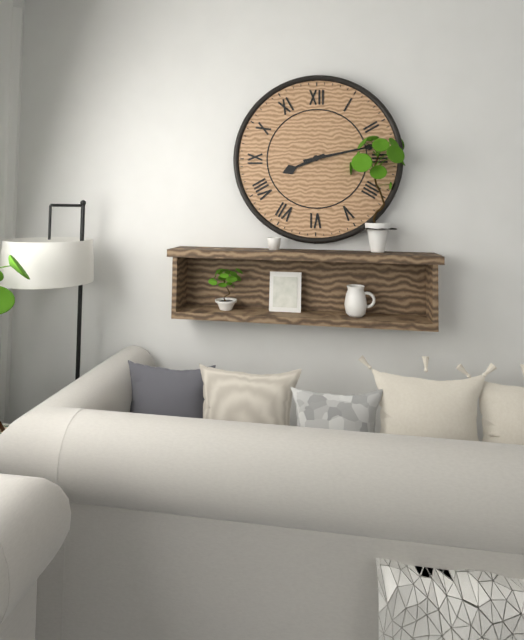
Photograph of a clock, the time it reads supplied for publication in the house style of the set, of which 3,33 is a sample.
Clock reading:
8,13
